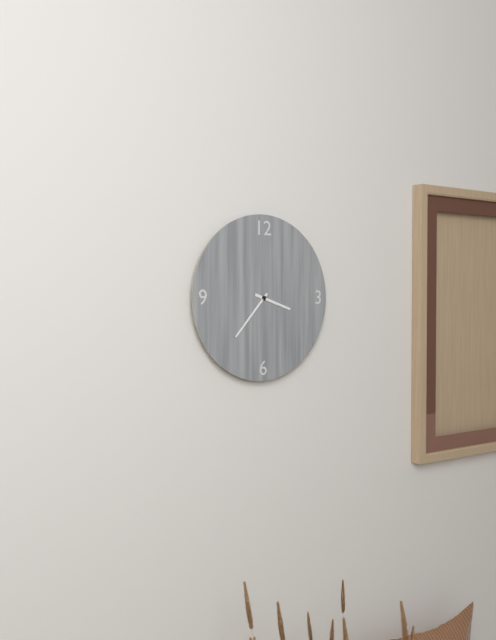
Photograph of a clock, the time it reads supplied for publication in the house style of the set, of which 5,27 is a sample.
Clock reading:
3,37
